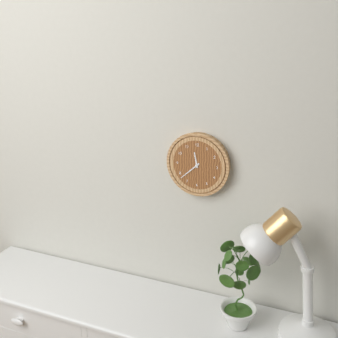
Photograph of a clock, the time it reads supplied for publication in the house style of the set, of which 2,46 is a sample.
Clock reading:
11,38
